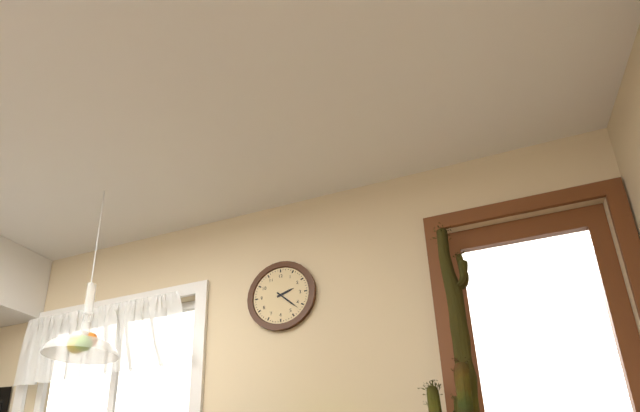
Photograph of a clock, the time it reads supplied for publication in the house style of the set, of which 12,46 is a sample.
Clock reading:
2,22
